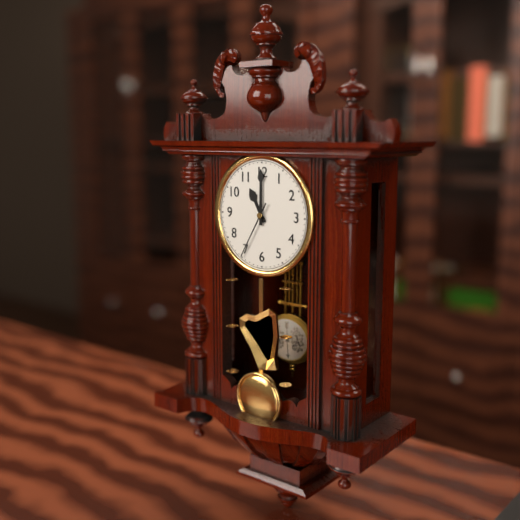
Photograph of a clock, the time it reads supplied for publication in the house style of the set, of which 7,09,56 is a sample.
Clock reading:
11,00,35
